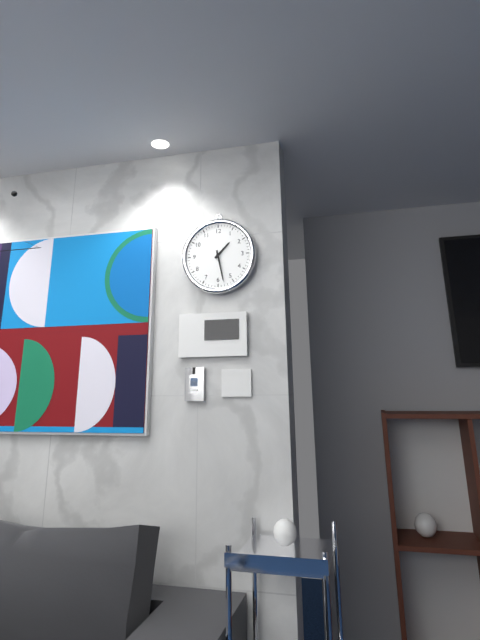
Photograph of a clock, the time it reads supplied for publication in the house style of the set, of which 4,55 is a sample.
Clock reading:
1,28
